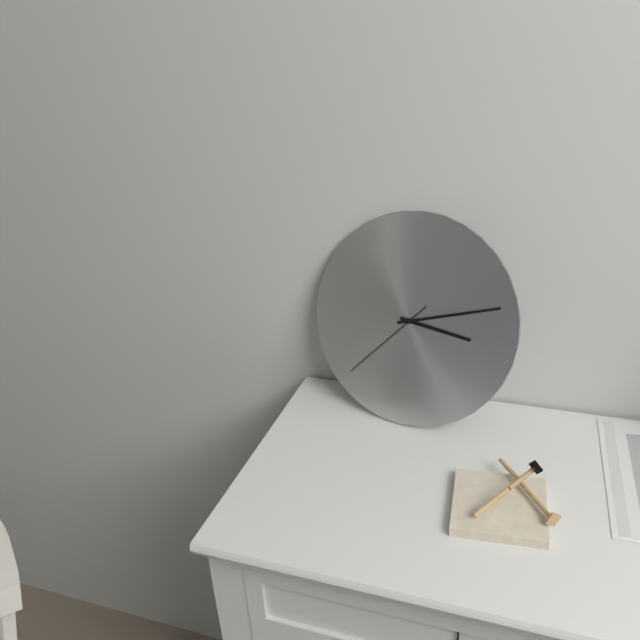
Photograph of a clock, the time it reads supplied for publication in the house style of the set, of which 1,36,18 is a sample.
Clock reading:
3,12,37
